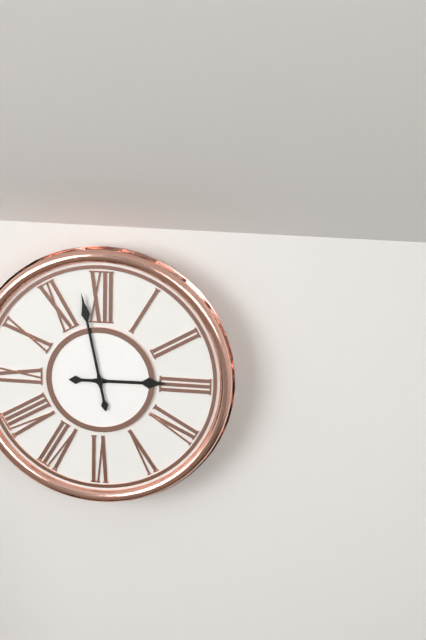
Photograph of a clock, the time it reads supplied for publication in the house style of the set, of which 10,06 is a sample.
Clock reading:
2,58
